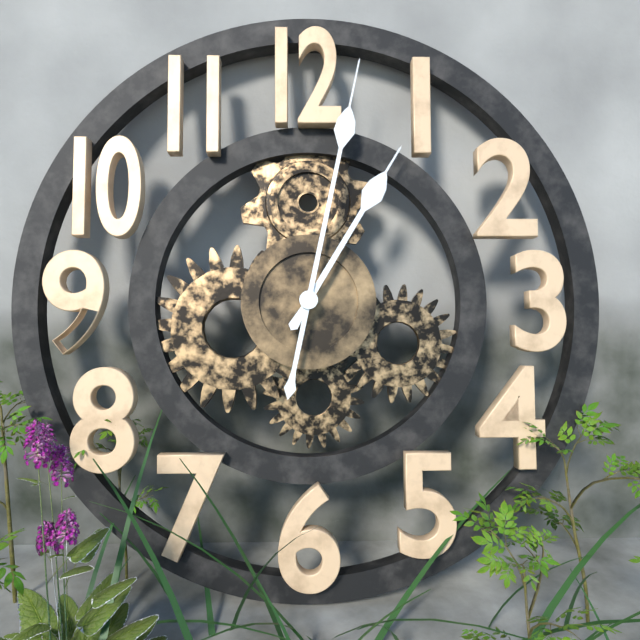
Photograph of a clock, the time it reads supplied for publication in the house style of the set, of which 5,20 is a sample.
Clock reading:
1,02
